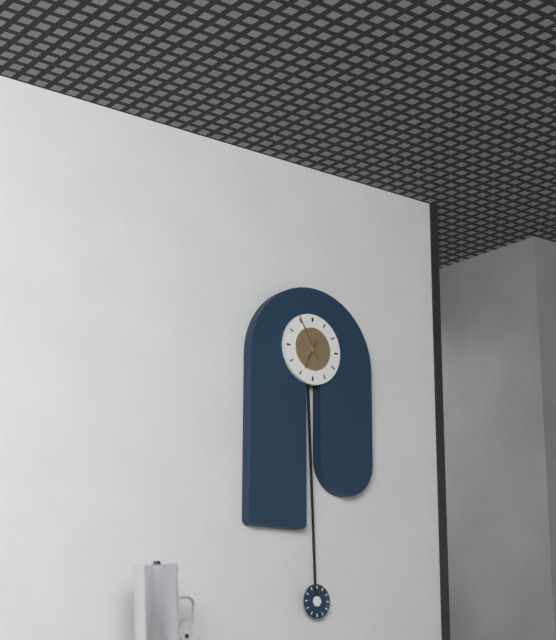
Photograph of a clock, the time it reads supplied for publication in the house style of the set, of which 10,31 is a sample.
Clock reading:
6,55
